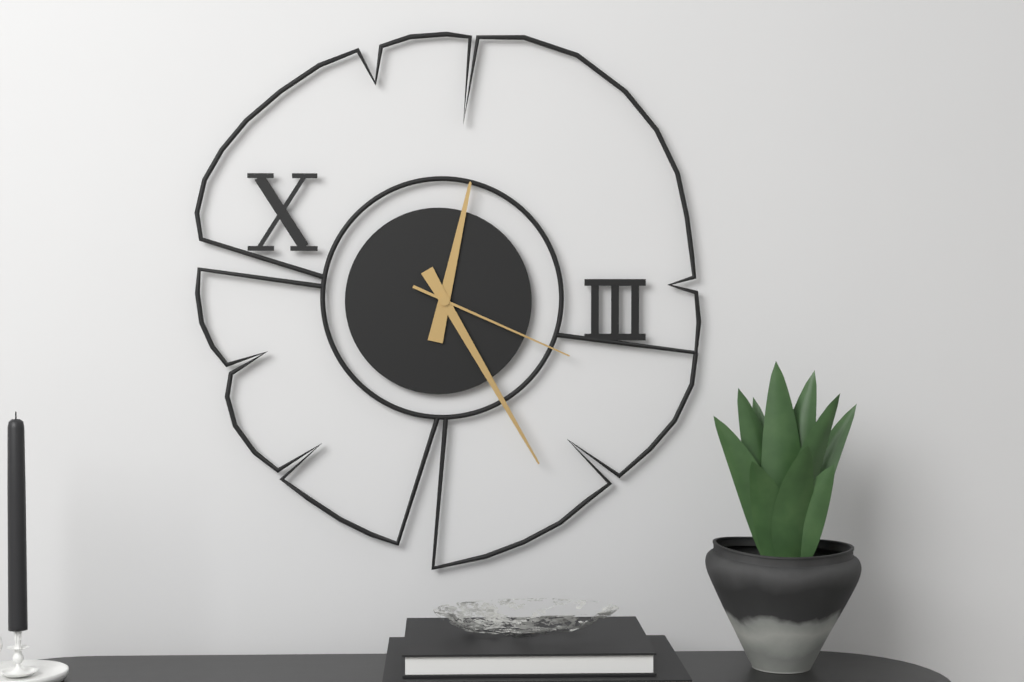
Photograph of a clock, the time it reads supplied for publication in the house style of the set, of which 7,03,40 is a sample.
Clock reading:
12,25,19
